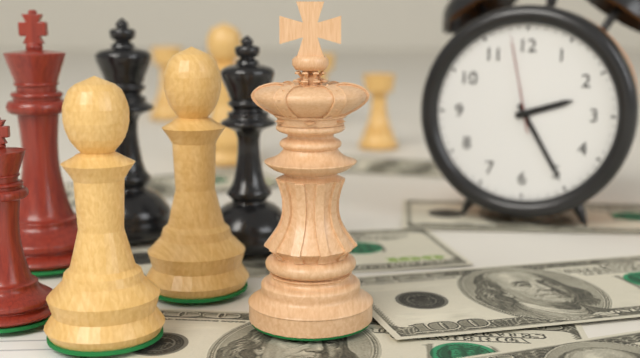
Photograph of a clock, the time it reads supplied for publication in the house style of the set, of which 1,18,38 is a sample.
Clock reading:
2,25,58
